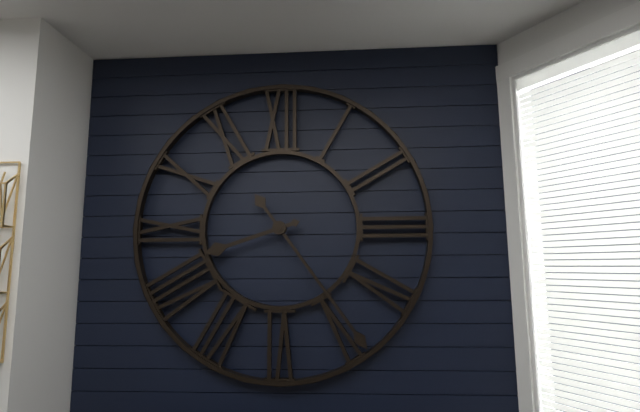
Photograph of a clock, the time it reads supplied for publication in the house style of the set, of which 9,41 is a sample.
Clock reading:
8,24
